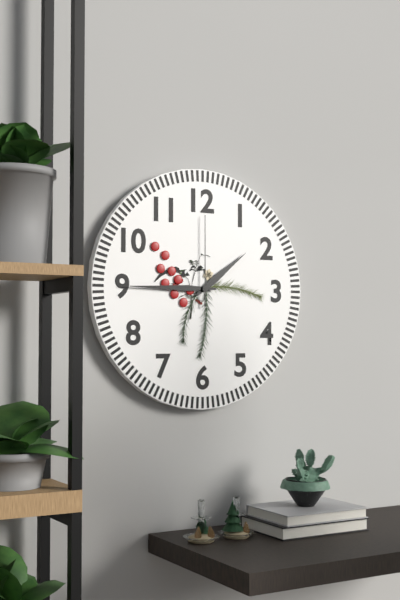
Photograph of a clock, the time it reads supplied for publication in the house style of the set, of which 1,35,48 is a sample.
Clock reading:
1,45,00
